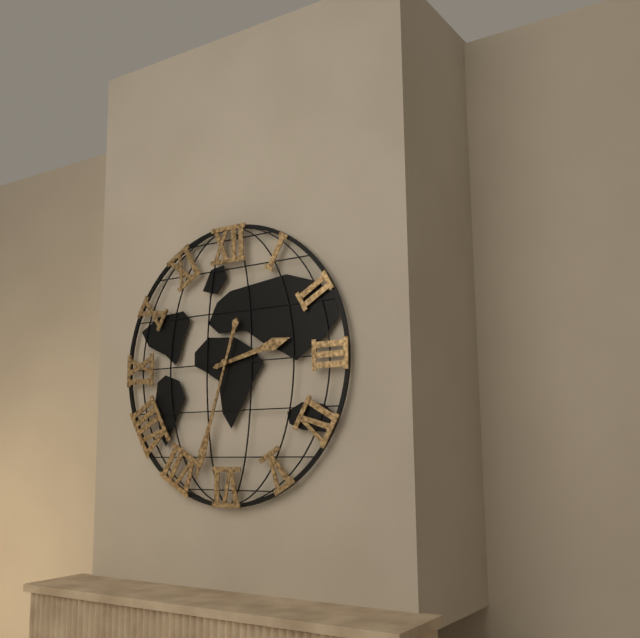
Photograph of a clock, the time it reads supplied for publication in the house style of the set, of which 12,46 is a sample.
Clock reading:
2,33
